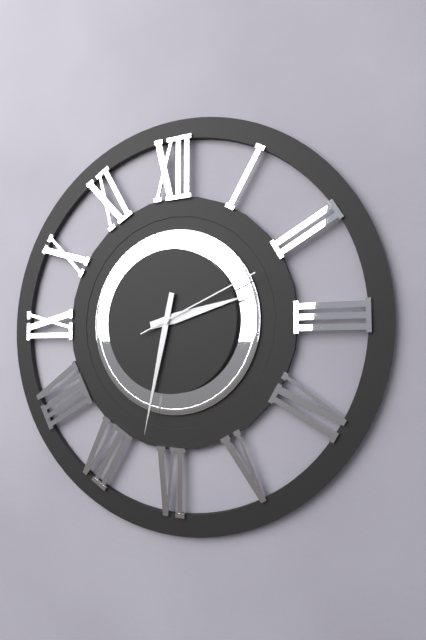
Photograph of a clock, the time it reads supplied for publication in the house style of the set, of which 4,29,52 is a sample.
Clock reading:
2,32,11
